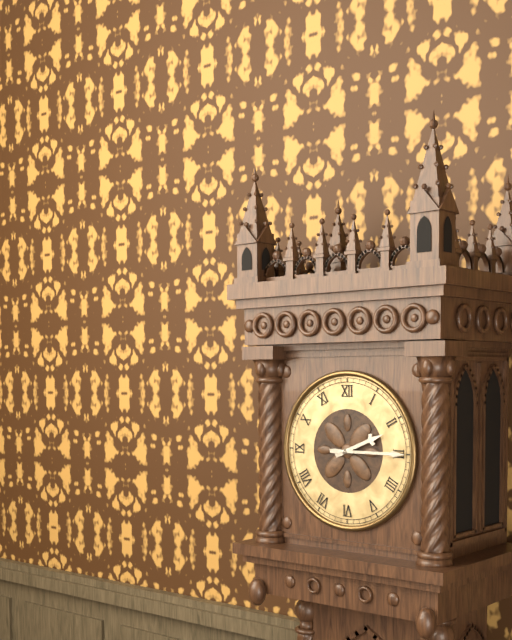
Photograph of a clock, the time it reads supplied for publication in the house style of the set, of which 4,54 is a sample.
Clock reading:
2,15
